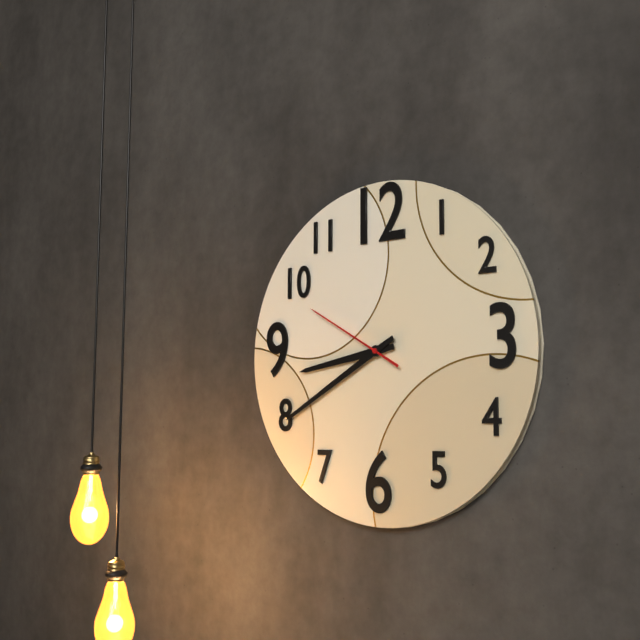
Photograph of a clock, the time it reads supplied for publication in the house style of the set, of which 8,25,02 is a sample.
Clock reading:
8,40,50
